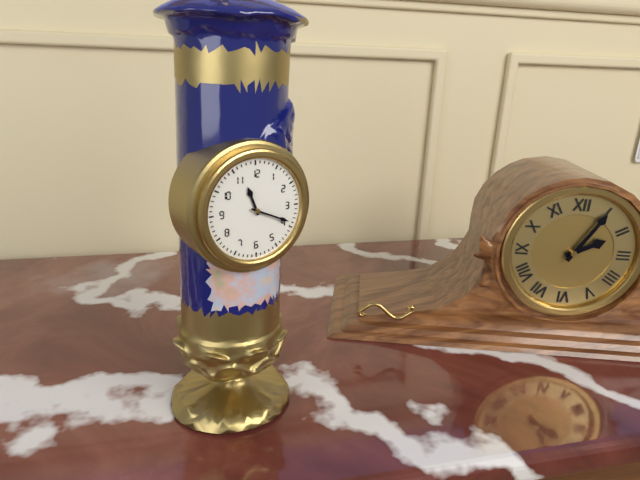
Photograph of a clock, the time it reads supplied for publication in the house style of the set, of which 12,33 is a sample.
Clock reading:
11,19
